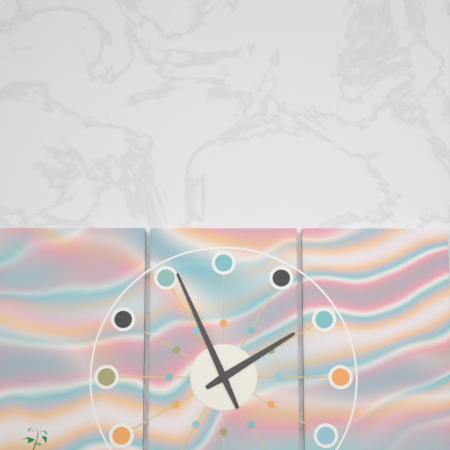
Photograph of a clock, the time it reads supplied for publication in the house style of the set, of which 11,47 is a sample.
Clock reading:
1,56
